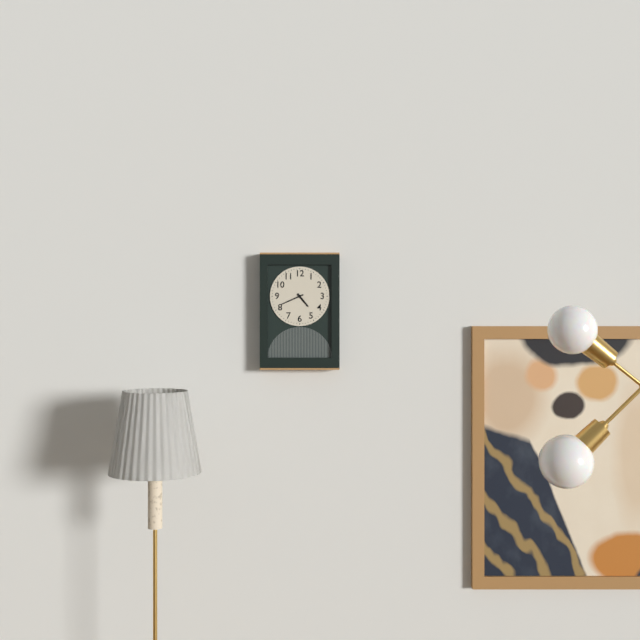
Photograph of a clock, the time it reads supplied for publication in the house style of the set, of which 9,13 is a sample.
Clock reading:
4,41
